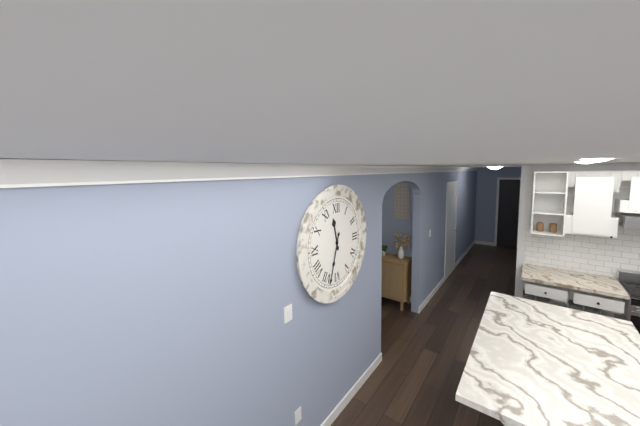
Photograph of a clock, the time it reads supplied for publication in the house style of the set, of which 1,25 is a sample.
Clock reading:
11,33
